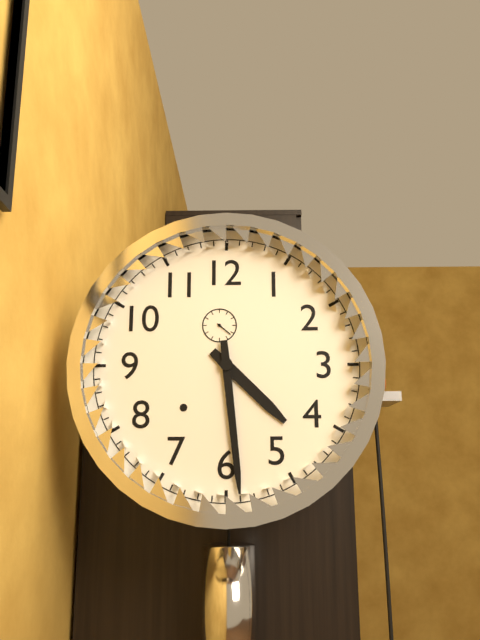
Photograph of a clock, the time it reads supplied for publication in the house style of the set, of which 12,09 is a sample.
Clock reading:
4,29
